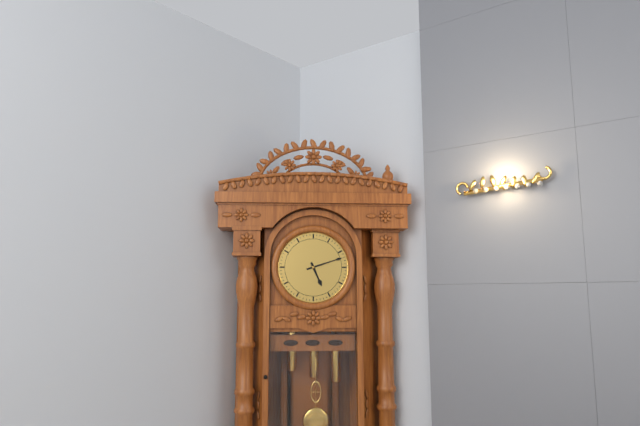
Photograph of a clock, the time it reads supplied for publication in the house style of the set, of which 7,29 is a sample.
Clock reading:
5,12
